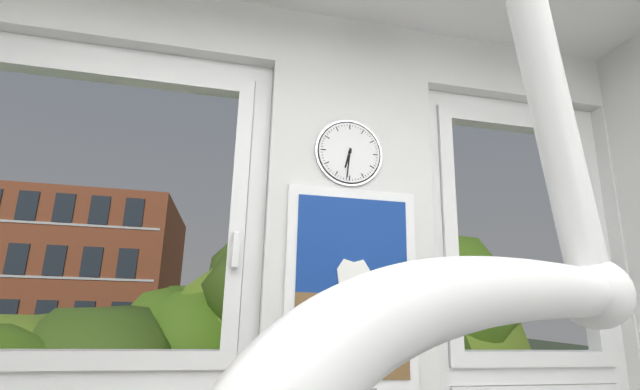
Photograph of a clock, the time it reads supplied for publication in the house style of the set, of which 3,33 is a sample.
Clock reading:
6,31
